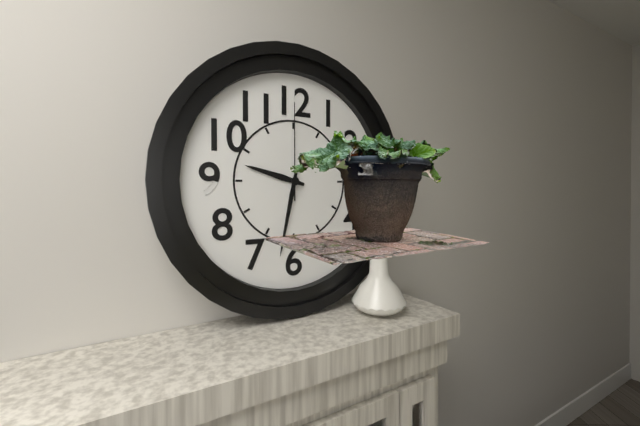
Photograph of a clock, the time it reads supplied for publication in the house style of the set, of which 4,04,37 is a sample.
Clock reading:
9,32,00
